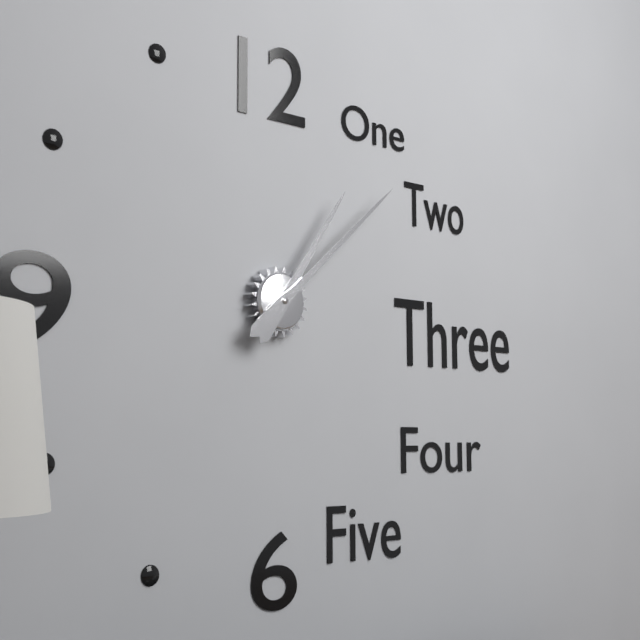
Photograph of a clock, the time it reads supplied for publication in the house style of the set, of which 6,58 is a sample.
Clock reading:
1,08
